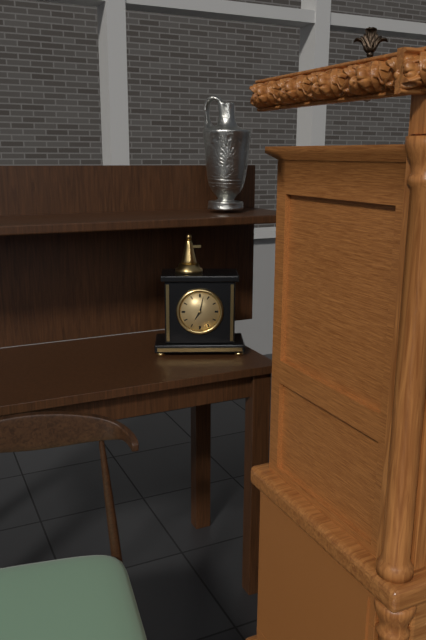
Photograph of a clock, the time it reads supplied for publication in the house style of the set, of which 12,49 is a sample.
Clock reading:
7,02
